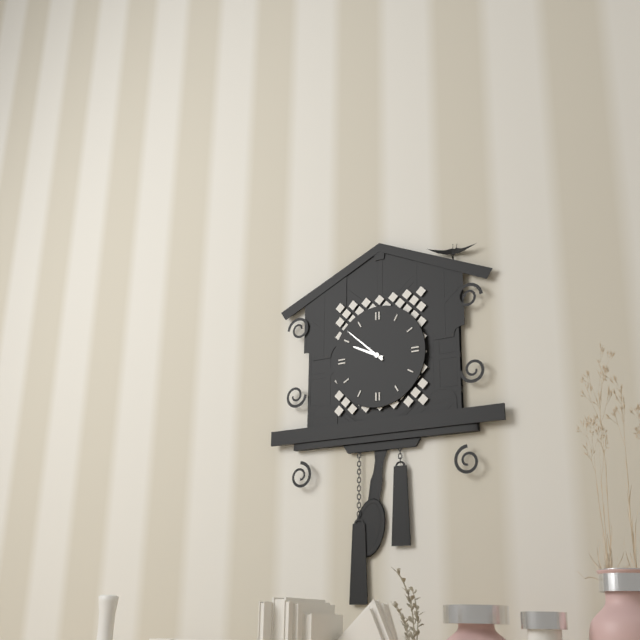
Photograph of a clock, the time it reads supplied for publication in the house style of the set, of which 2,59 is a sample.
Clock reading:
9,52
